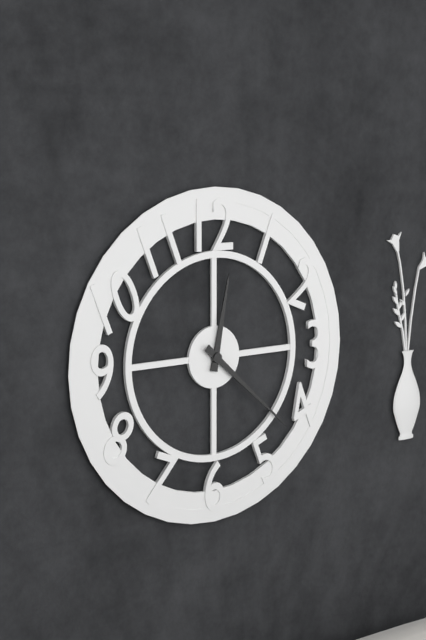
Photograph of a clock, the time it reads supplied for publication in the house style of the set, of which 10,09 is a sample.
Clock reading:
12,22
